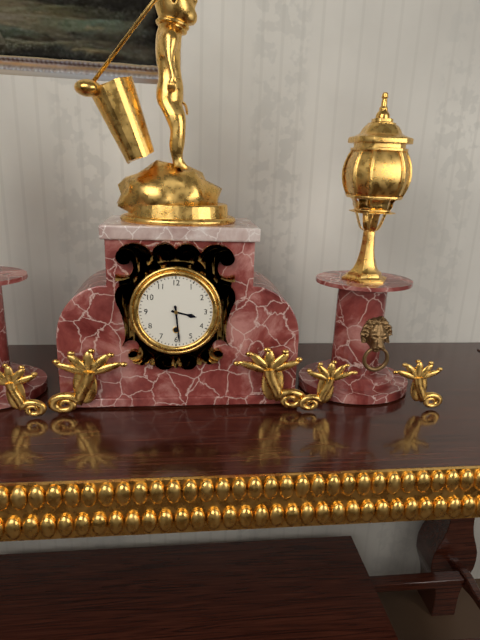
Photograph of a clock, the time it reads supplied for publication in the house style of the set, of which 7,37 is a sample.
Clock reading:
3,29
